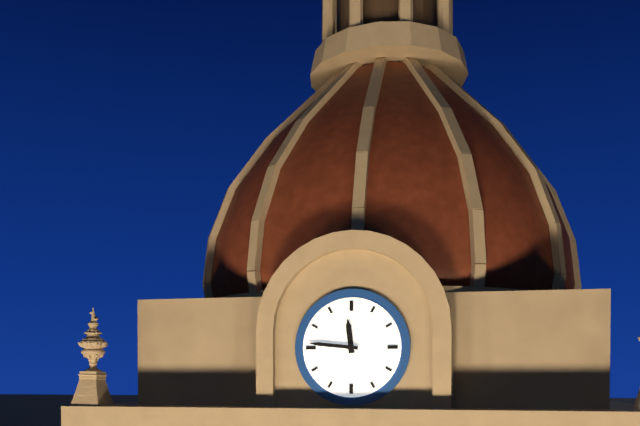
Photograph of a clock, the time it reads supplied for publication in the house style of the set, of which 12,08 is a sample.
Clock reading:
11,46
